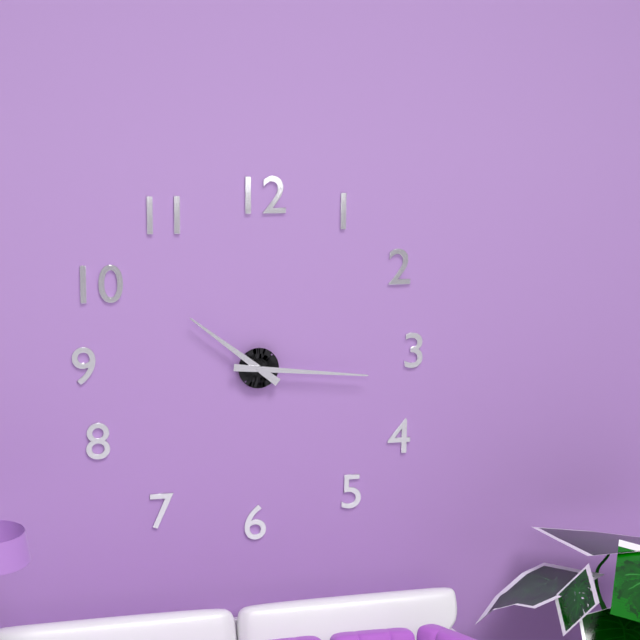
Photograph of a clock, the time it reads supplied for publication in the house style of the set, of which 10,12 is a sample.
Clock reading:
10,16
